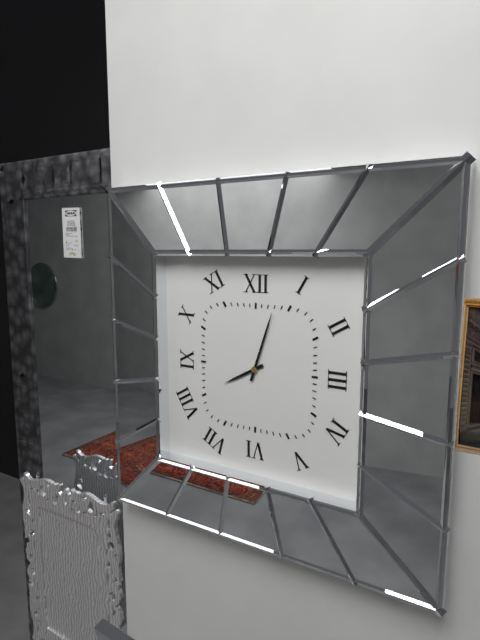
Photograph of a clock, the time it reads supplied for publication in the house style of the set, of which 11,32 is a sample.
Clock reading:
8,03
